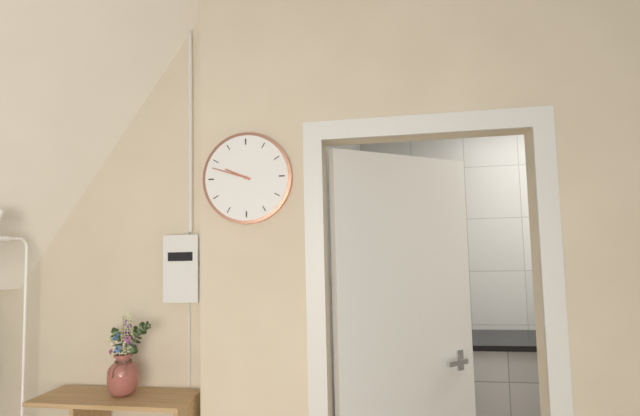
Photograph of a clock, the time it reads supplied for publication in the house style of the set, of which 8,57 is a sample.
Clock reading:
9,48
